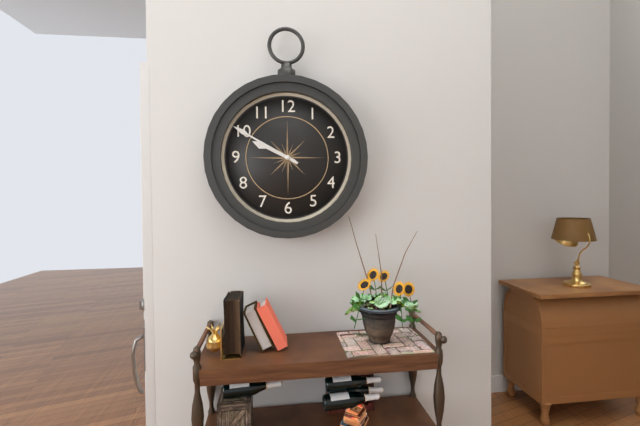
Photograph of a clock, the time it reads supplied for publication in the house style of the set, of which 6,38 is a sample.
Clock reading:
9,50
